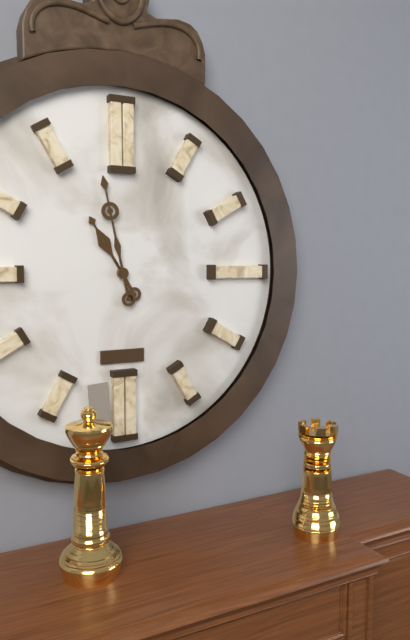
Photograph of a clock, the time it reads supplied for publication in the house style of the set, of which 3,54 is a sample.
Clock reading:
10,58
